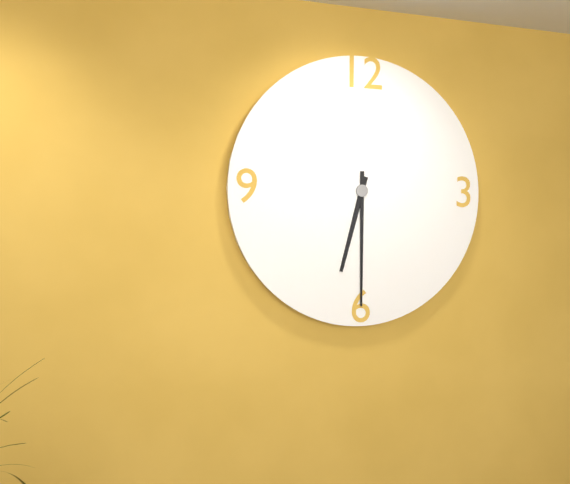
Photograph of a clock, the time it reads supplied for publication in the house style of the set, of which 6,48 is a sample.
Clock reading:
6,30
